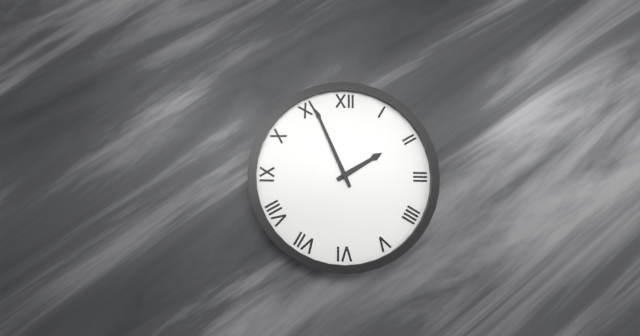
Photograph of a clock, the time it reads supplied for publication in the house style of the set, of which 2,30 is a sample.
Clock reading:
1,56
